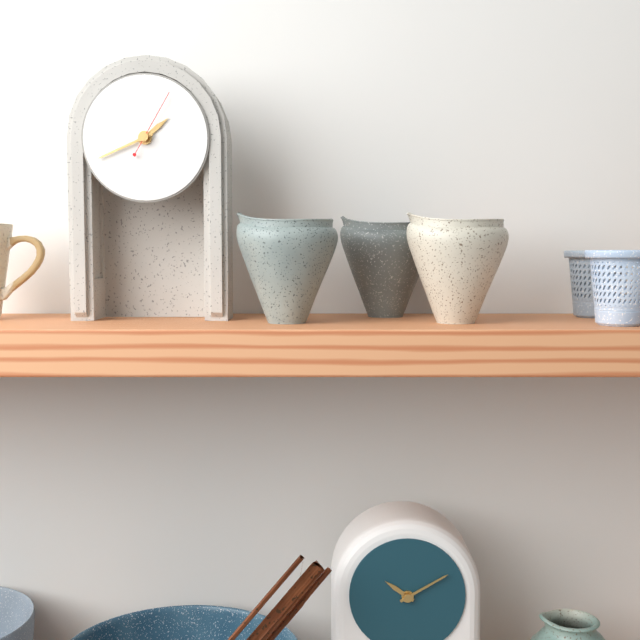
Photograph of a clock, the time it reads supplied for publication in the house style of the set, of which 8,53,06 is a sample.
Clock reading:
1,41,05
